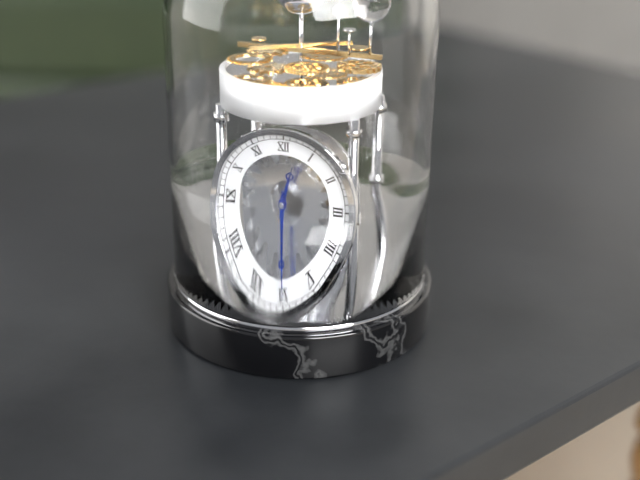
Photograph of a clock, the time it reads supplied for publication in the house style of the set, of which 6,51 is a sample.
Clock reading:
12,30
